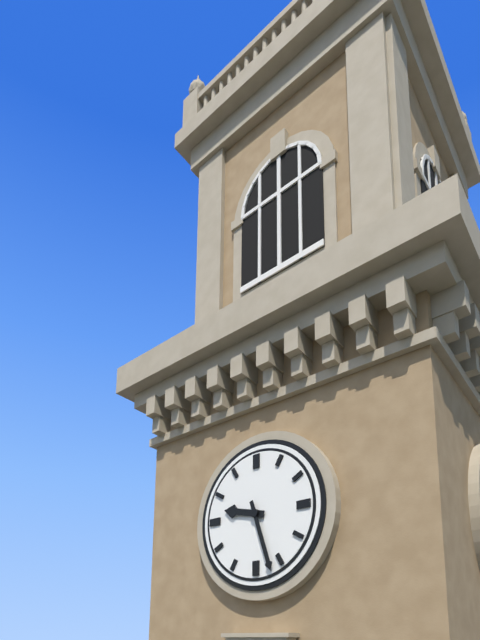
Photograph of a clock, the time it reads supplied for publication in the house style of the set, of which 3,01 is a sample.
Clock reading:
9,27
